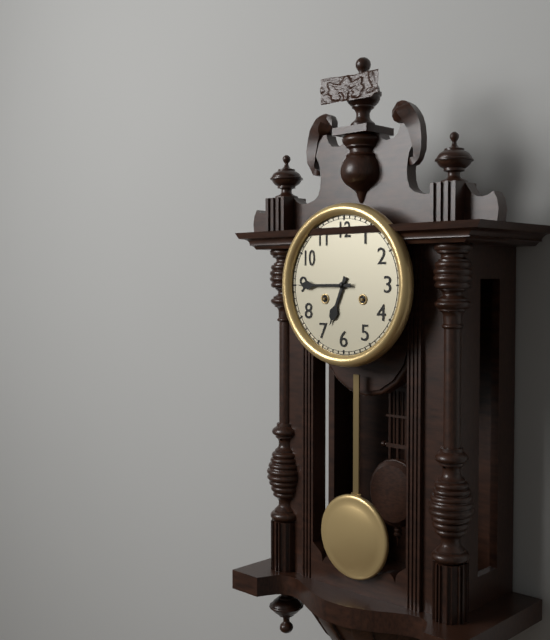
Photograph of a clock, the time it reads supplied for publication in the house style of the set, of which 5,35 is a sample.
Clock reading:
6,45
